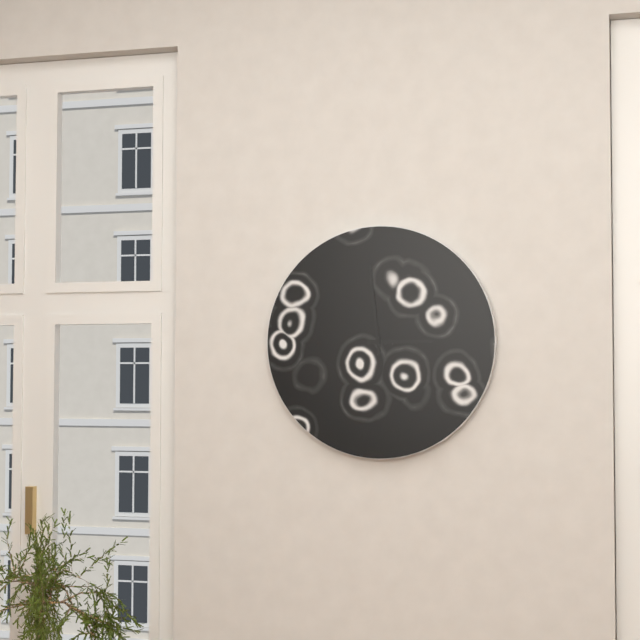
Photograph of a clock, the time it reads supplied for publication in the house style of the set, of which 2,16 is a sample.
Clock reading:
2,59
